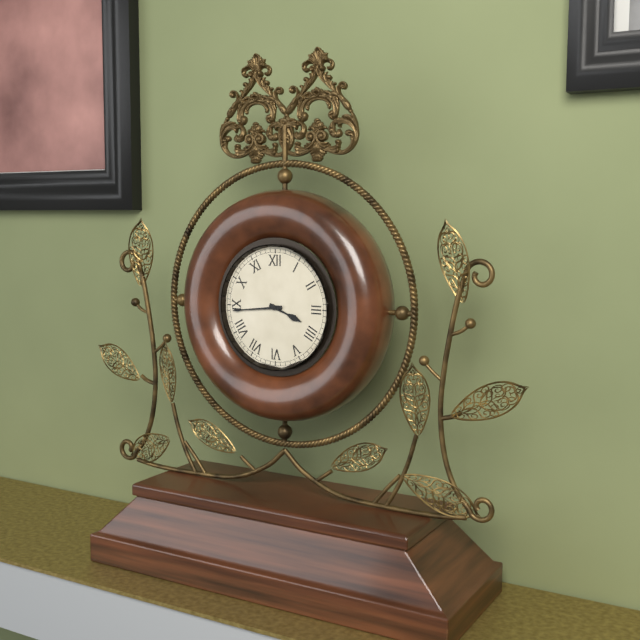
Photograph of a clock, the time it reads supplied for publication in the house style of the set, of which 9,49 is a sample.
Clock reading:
3,44
